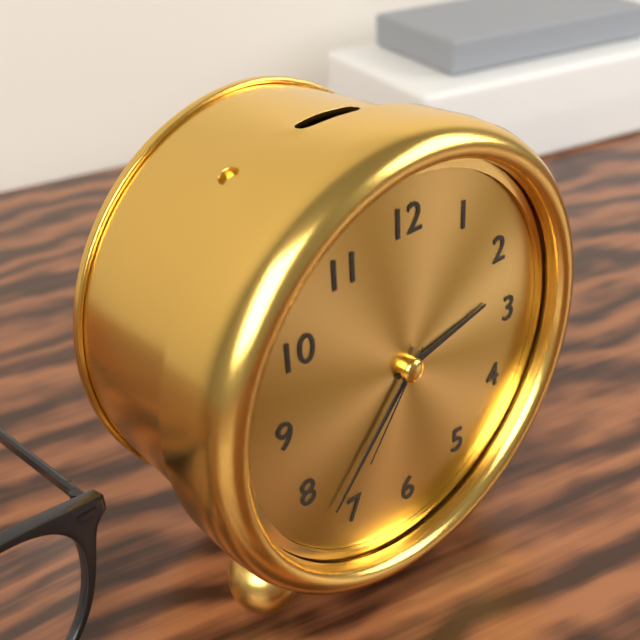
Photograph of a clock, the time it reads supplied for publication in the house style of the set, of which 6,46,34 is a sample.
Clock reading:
2,37,36
